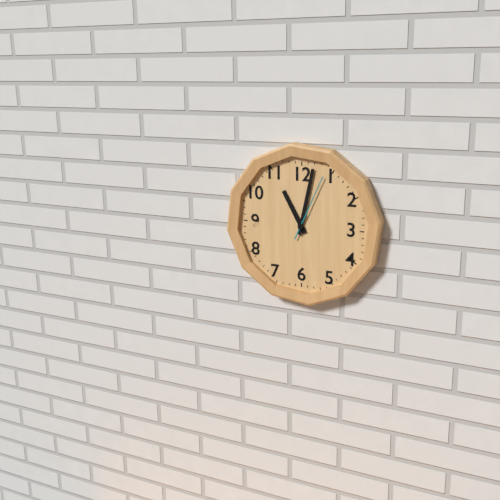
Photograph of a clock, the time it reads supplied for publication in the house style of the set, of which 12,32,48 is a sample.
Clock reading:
11,02,04
